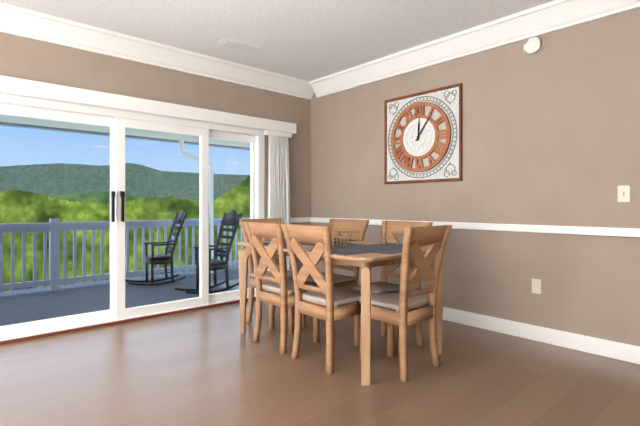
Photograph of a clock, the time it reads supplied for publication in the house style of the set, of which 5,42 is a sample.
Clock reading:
12,06
